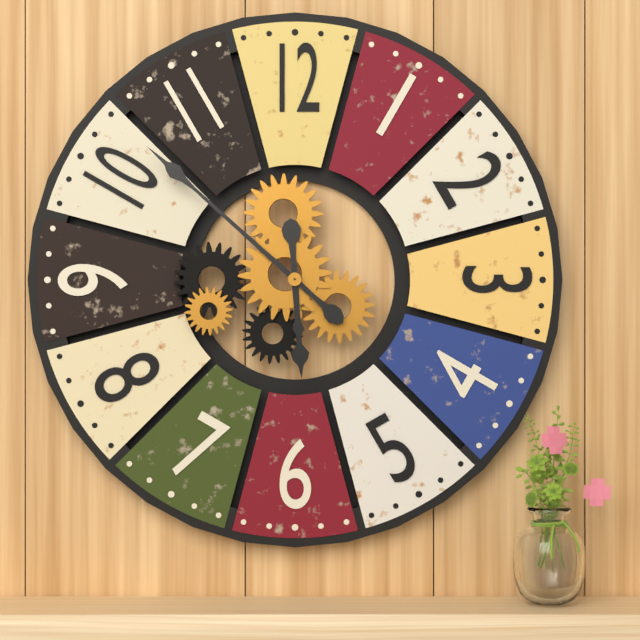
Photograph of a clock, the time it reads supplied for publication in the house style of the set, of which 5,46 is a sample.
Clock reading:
5,52
